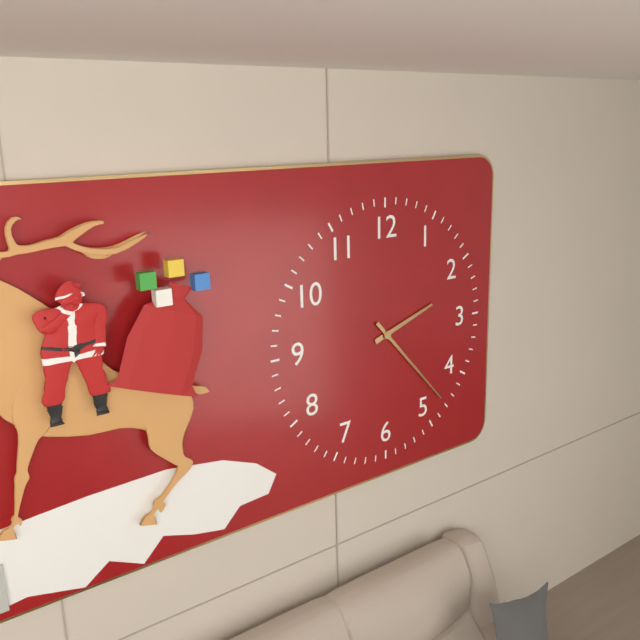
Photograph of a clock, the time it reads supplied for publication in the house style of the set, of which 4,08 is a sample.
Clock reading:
2,23
